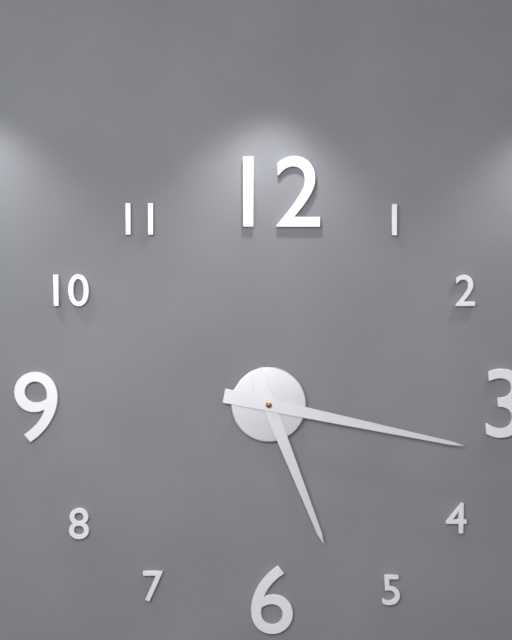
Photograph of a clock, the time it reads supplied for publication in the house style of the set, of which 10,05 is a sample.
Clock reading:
5,17
